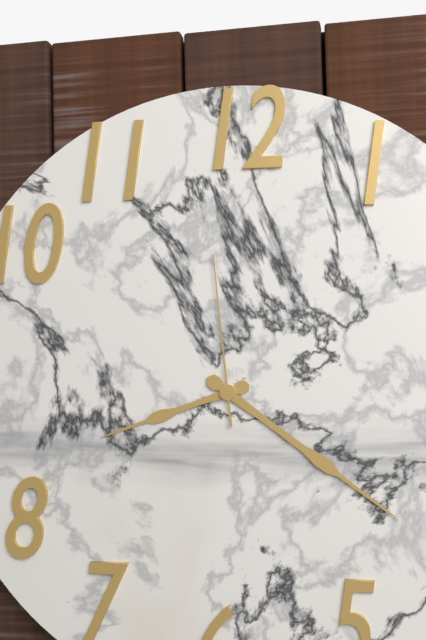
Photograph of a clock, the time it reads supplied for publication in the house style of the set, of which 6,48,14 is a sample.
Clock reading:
8,21,59
